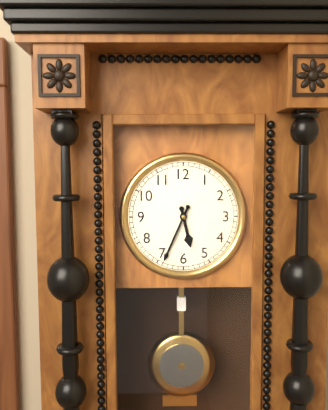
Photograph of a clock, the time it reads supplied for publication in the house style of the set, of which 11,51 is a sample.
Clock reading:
5,34
